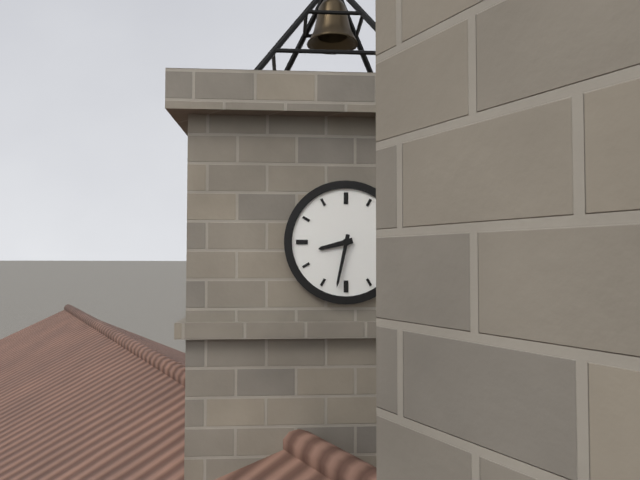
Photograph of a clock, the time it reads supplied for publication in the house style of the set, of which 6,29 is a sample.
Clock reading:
8,32
